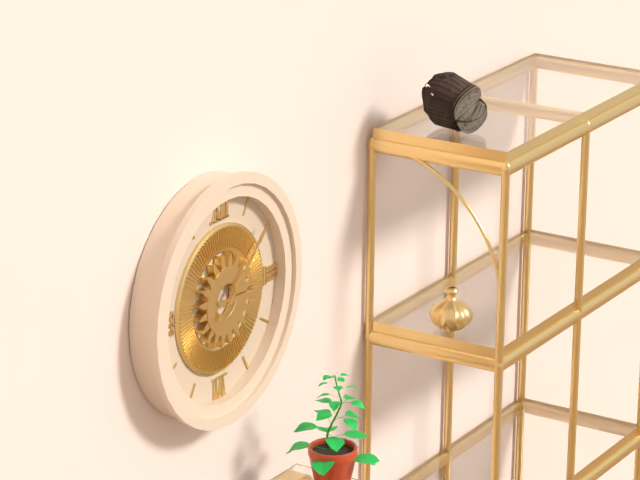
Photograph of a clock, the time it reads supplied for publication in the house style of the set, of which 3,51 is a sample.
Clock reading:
3,08
